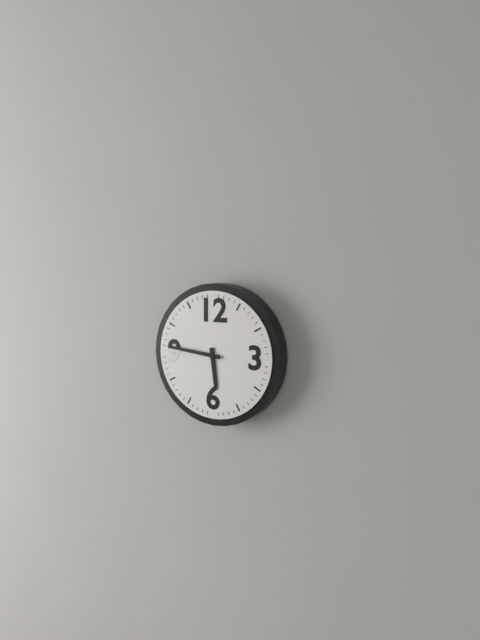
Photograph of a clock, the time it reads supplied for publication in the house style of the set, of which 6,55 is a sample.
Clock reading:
5,46
